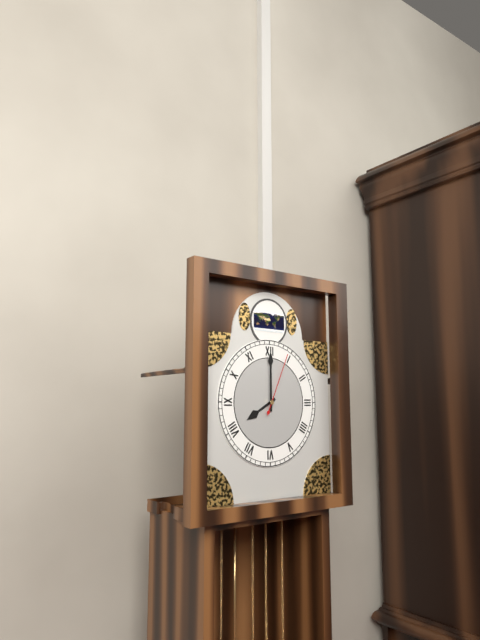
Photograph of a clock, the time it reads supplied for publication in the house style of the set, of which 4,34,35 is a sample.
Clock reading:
8,00,04
